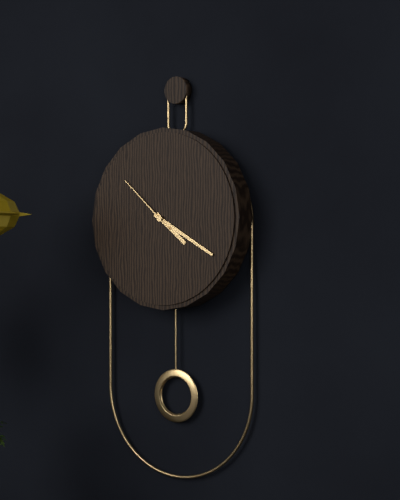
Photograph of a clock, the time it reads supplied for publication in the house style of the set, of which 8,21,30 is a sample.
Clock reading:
4,20,52
